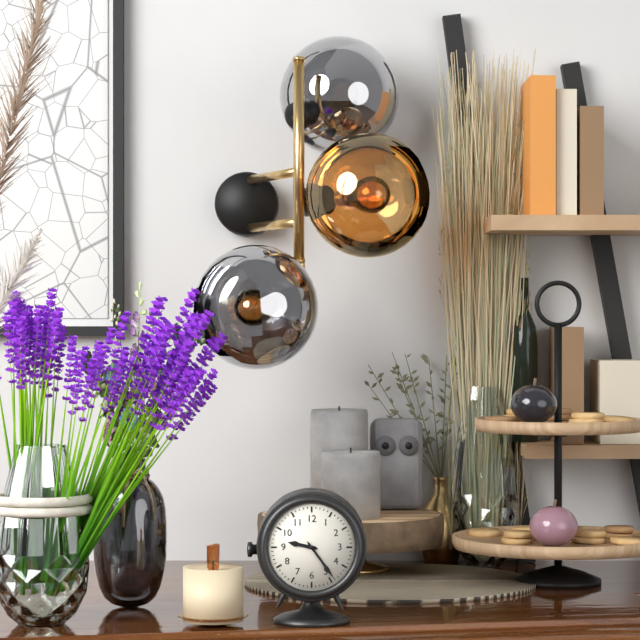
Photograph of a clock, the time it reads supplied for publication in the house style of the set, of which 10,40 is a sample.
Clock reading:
9,24
